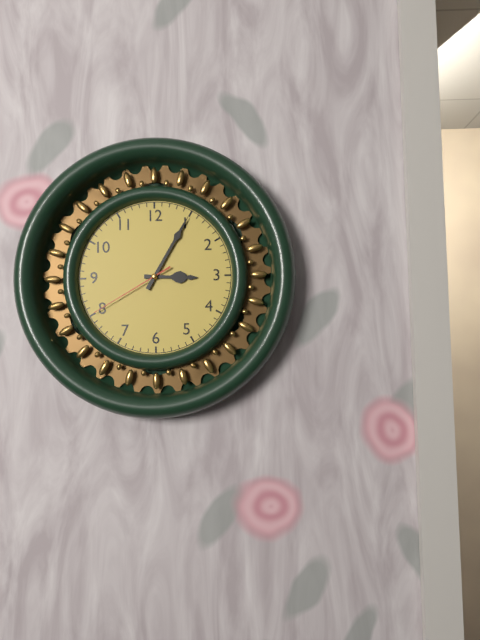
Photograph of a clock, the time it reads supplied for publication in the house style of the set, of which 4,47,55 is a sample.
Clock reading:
3,05,40
